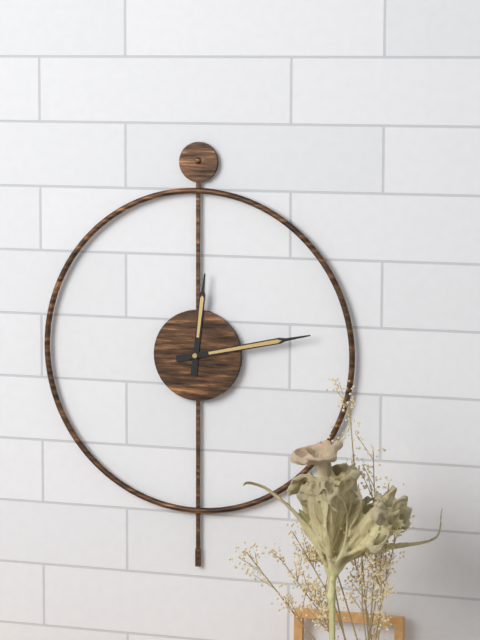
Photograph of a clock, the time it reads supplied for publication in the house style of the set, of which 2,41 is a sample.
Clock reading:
12,13
